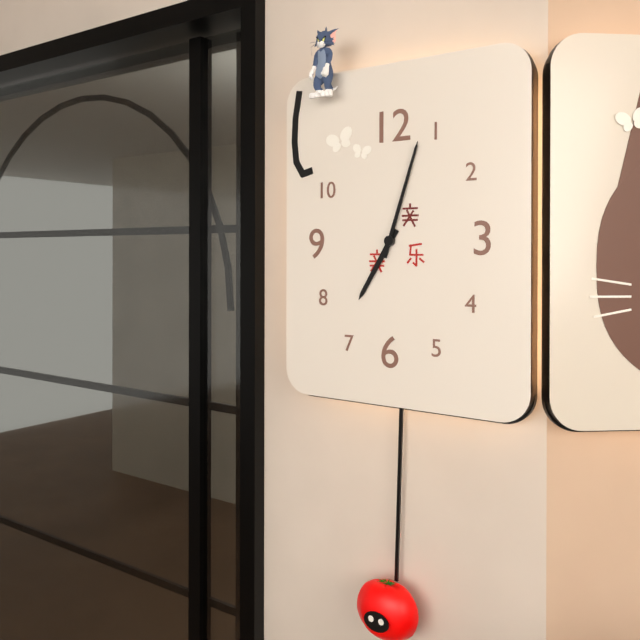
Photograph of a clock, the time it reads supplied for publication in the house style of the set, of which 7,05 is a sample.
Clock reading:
7,03
